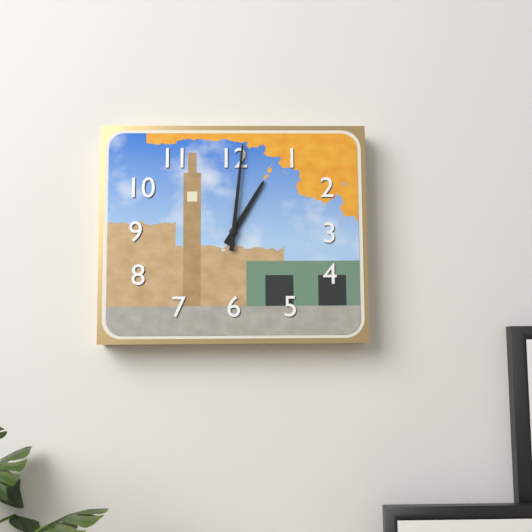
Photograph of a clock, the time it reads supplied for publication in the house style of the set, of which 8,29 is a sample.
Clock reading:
1,01
